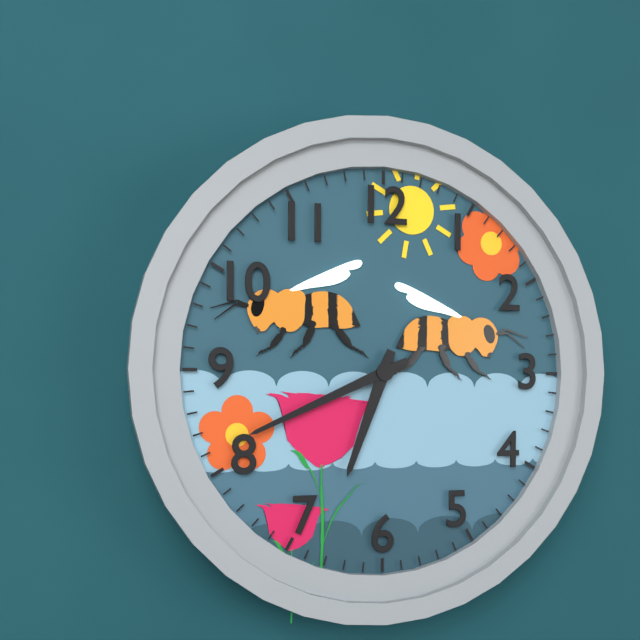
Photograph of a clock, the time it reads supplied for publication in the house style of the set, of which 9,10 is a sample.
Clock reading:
6,41
